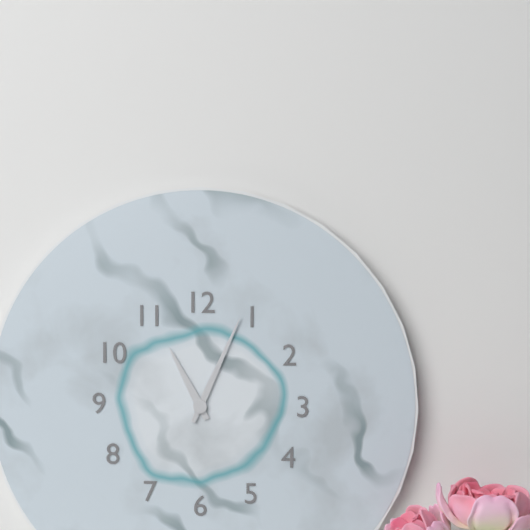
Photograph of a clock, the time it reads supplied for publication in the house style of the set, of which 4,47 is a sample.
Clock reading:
11,04
